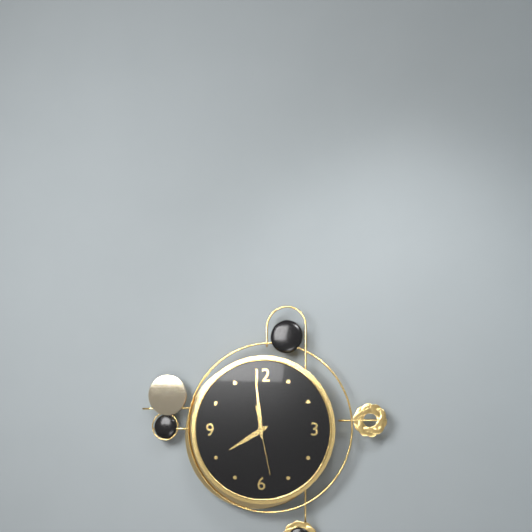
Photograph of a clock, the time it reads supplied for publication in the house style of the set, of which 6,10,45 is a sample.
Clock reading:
7,59,28
